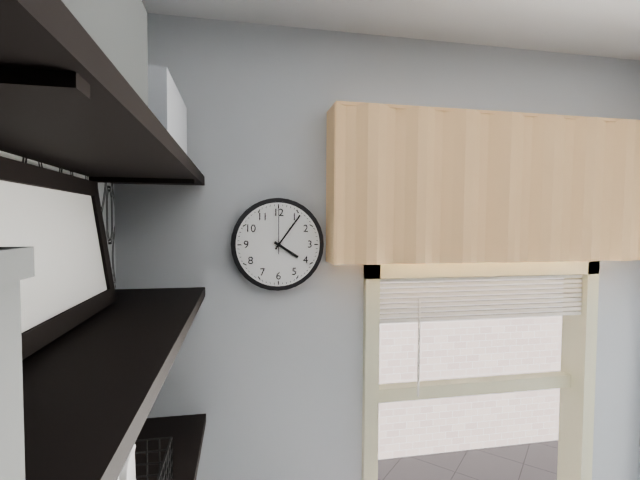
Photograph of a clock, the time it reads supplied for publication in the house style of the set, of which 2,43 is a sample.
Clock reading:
4,06
